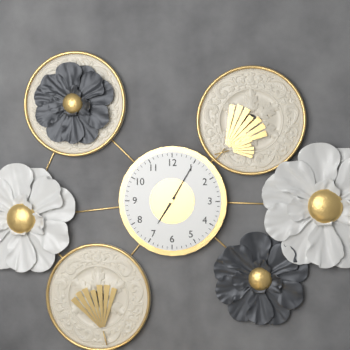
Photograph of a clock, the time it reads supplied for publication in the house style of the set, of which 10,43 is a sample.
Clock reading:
7,05
